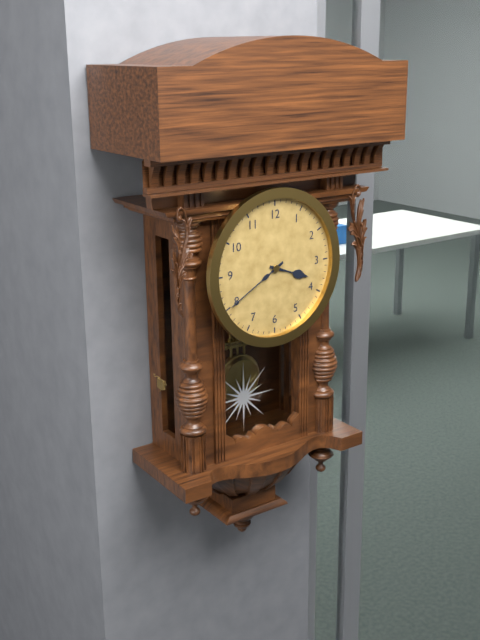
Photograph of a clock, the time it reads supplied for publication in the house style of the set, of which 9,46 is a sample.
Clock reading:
3,40
